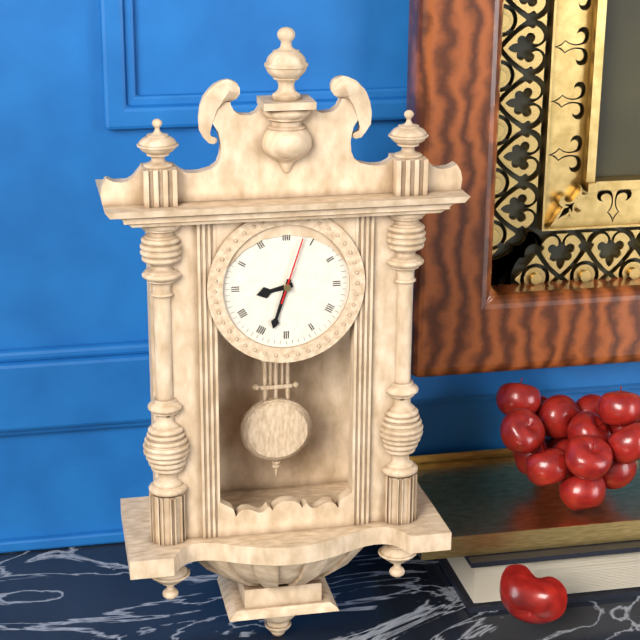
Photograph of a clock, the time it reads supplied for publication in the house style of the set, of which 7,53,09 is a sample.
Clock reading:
8,33,03
